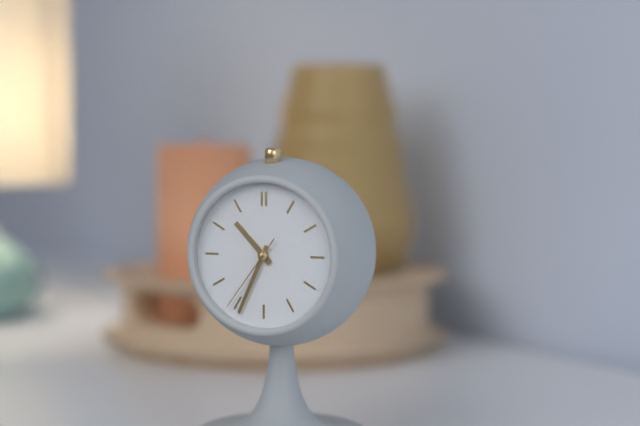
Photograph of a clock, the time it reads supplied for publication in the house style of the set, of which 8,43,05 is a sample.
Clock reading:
10,34,36
